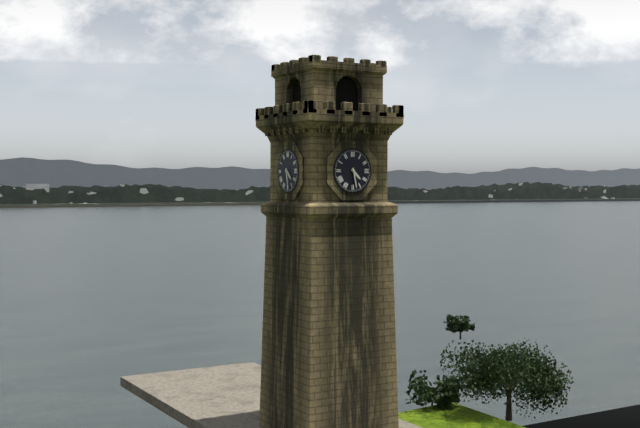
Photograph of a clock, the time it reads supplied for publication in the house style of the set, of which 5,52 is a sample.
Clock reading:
4,28
